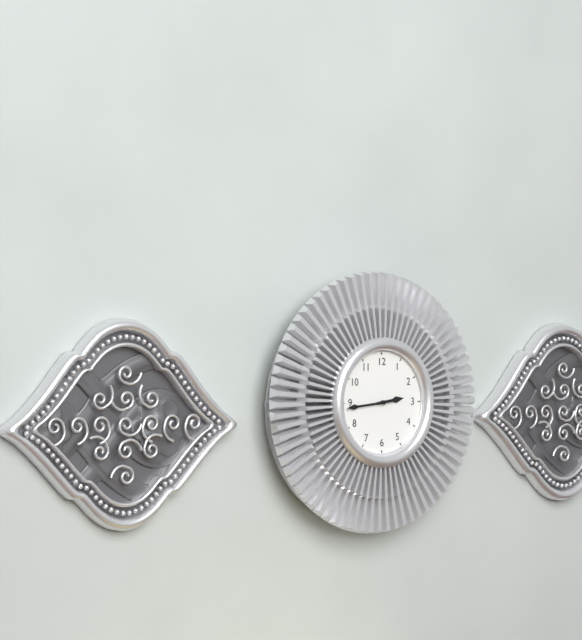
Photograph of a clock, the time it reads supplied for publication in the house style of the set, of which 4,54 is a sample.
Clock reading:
2,44
